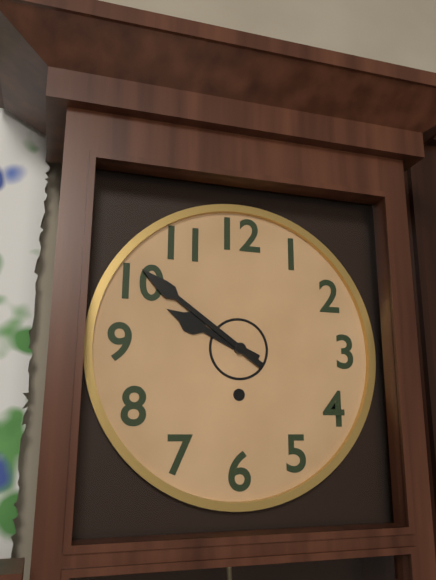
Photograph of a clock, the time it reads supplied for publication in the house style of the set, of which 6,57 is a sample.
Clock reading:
9,51
